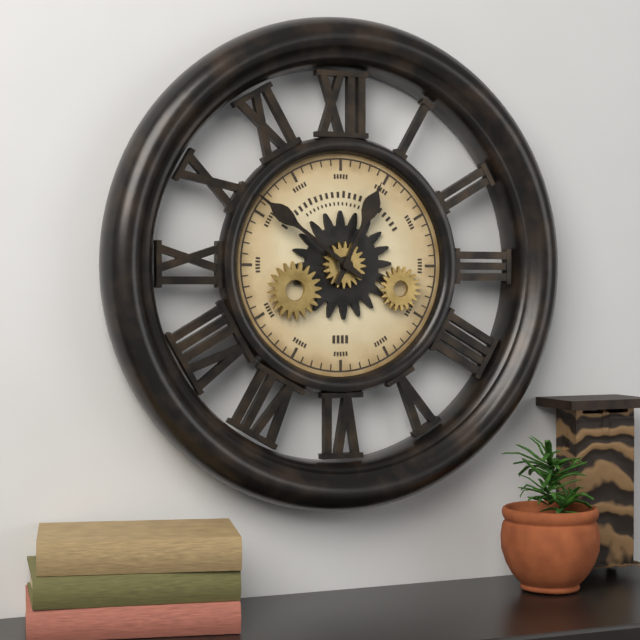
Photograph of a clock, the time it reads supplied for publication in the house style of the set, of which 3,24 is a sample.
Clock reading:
12,51
